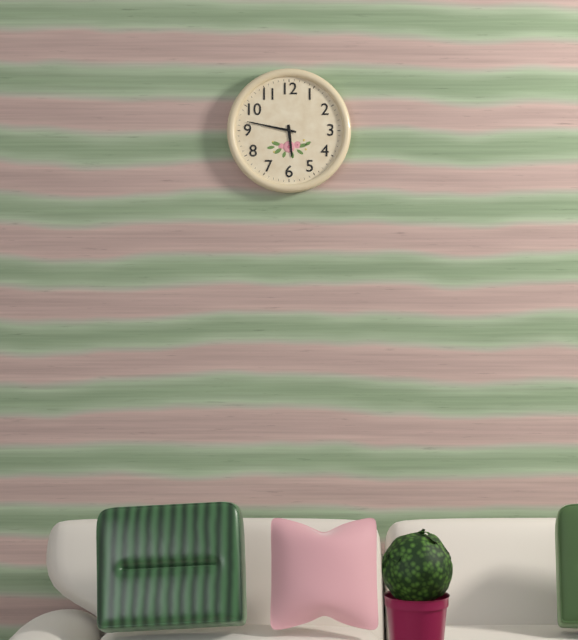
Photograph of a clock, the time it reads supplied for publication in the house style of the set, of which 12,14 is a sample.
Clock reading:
5,47
